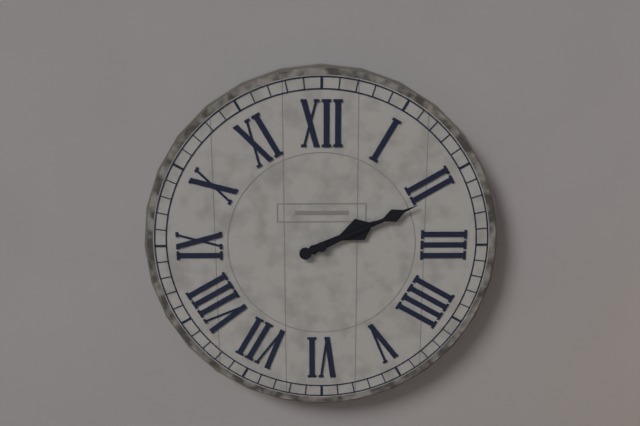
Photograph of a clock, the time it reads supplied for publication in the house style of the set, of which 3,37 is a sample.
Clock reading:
2,11
